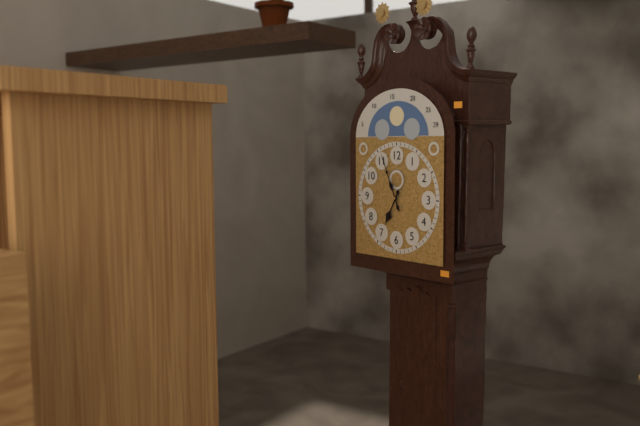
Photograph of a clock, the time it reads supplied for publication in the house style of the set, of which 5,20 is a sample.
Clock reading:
6,56
